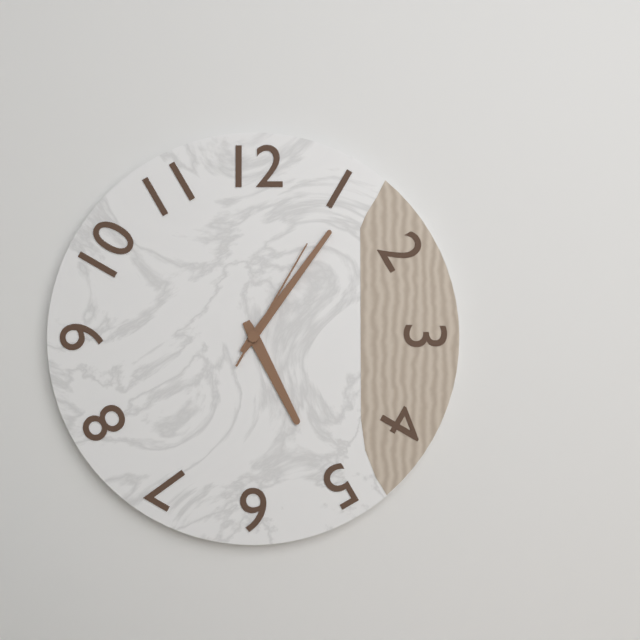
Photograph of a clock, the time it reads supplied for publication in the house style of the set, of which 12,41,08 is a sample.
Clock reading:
5,06,05
